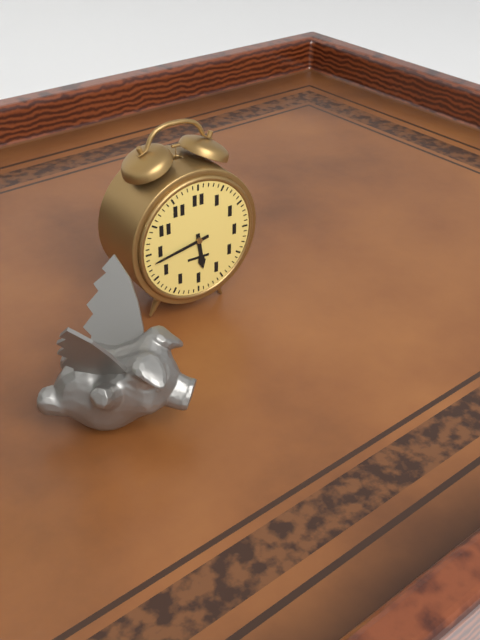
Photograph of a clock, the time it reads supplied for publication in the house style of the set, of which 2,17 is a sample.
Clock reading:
5,43
